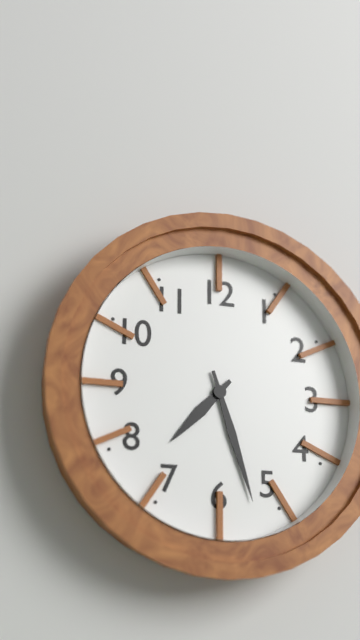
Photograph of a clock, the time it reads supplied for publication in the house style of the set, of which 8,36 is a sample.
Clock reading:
7,27
